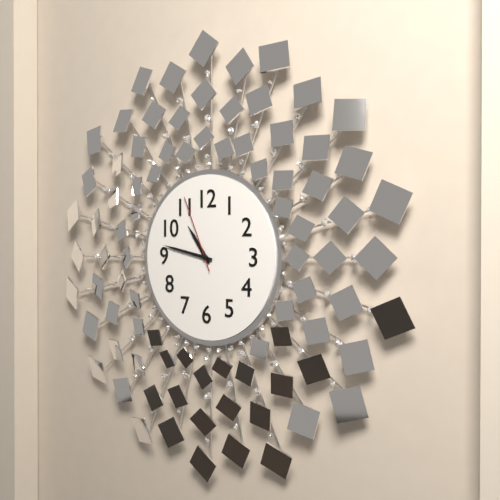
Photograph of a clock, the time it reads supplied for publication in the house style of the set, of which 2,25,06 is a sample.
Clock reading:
10,47,56
